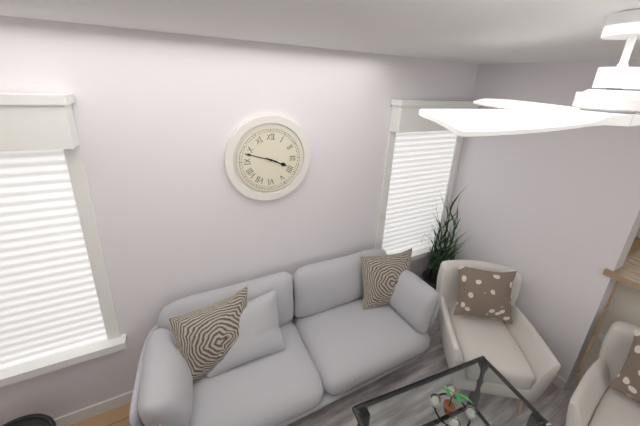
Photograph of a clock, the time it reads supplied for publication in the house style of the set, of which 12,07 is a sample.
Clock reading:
3,48
